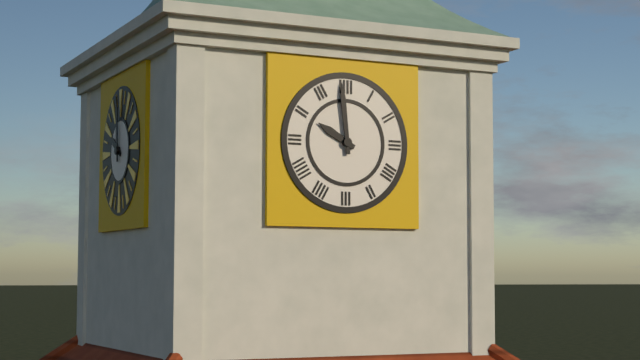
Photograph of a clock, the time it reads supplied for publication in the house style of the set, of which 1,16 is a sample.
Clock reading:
9,59
